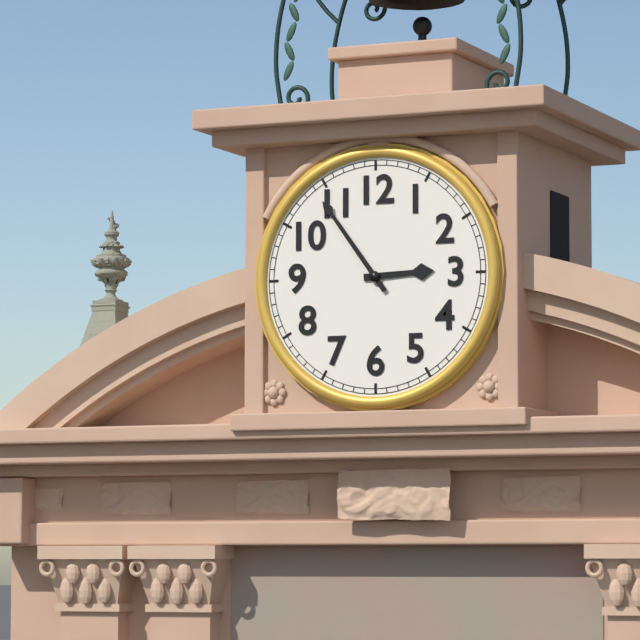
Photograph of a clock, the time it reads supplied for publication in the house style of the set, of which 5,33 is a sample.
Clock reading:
2,54
